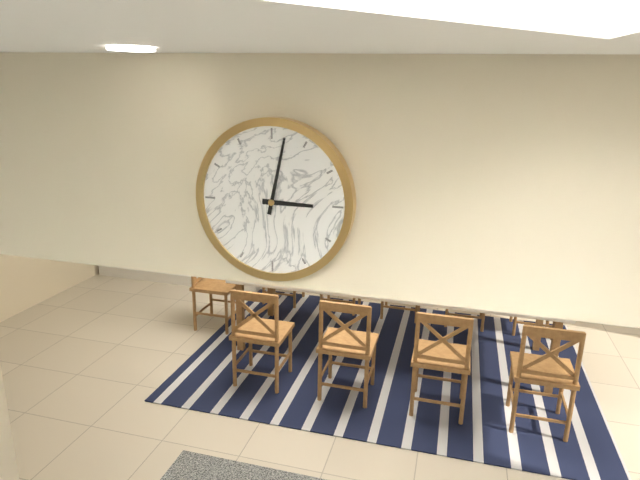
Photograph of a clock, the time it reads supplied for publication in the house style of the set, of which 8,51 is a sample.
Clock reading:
3,02
